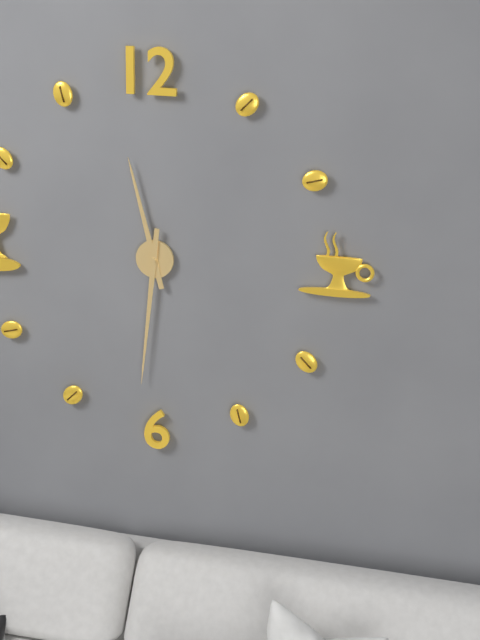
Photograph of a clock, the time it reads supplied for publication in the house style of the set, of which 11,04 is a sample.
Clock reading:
11,31
